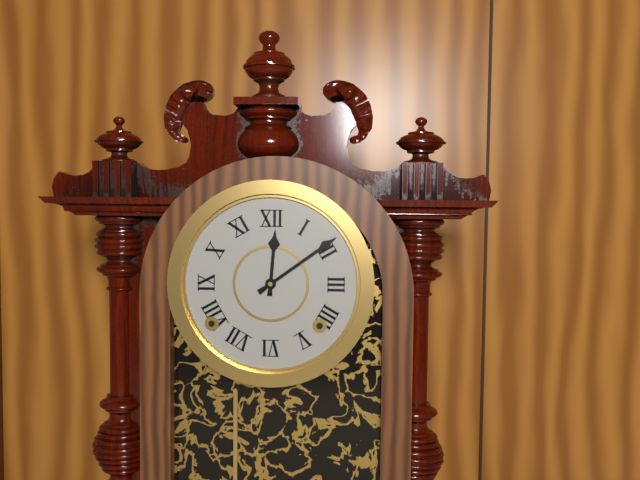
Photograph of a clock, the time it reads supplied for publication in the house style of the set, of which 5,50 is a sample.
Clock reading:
12,09
